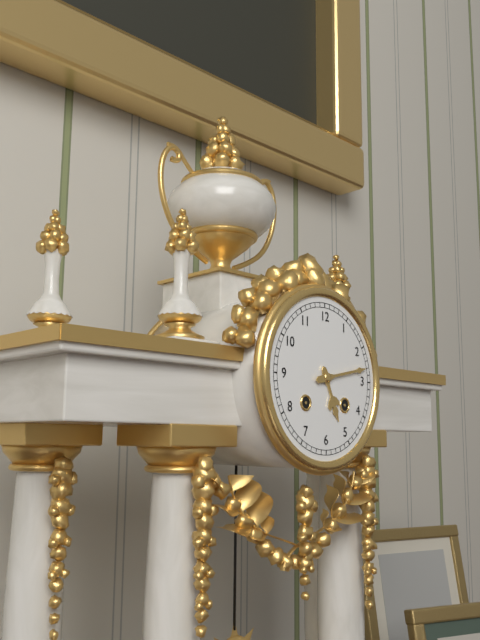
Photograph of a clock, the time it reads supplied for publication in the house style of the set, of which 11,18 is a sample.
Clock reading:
5,13
